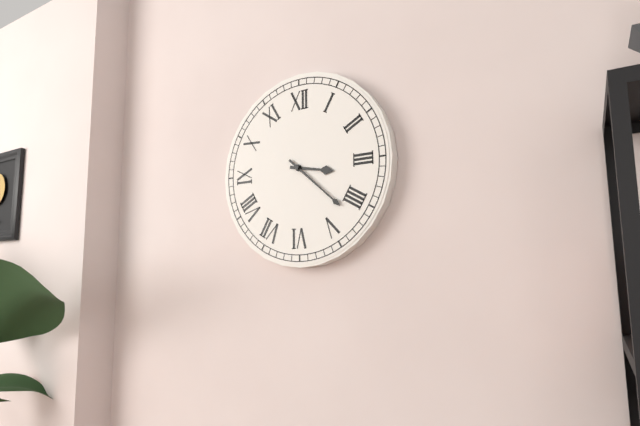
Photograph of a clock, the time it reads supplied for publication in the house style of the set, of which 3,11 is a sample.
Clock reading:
3,22
